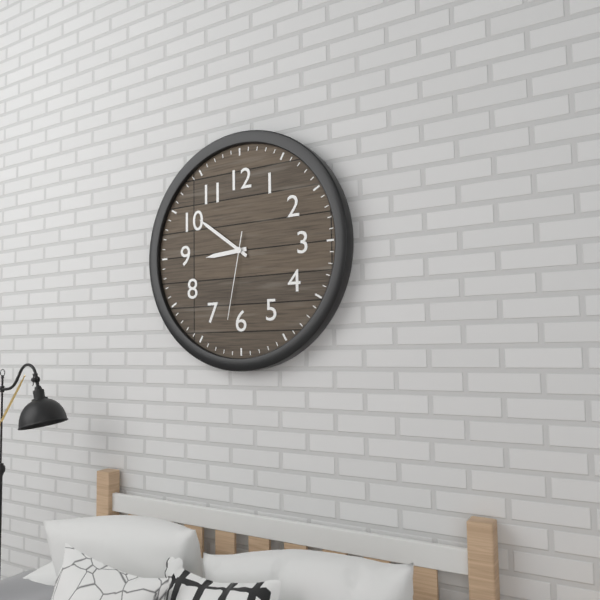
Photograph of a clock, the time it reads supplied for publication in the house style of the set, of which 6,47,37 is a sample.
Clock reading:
8,51,32
